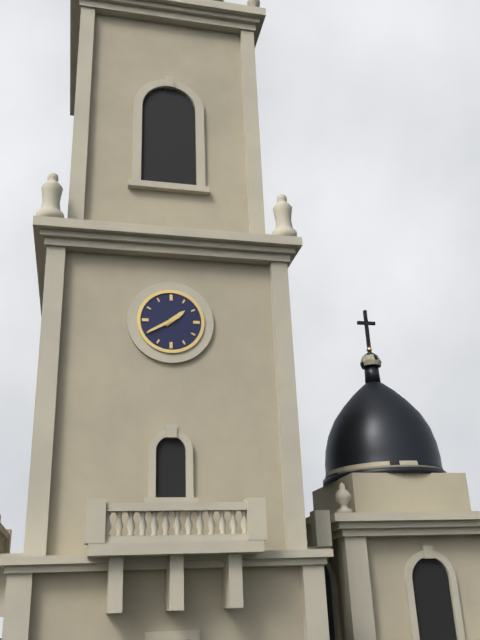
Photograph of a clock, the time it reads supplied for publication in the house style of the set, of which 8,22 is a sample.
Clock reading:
1,40
